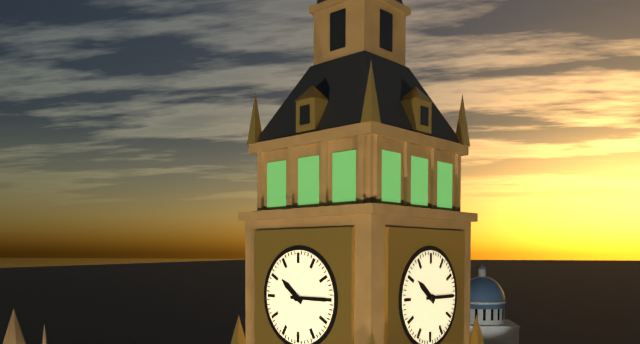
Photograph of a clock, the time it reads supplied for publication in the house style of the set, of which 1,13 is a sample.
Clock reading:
10,15
